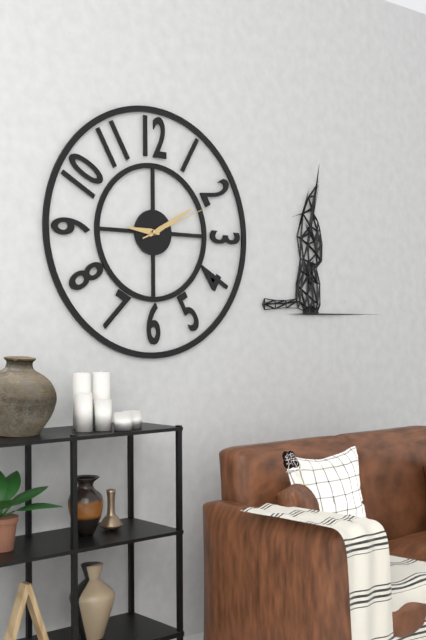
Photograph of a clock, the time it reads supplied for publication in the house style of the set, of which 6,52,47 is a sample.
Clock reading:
9,10,11
